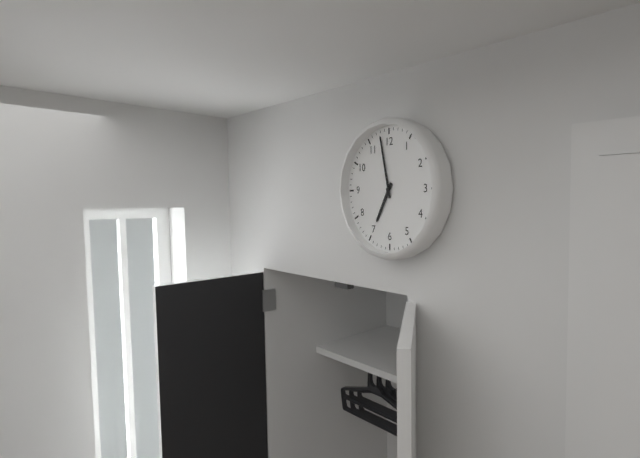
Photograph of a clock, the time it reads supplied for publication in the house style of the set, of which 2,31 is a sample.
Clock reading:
6,58
